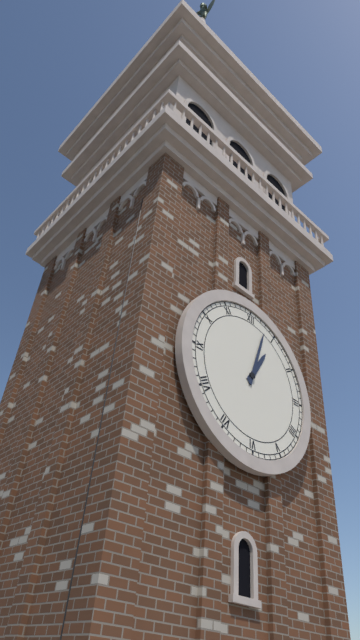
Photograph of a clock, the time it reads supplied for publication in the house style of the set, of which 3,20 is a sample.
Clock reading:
1,03
